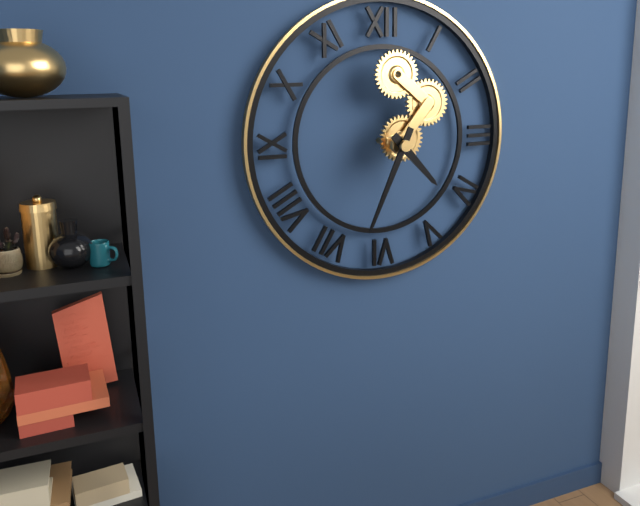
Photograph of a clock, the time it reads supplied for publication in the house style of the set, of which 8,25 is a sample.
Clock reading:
4,34
